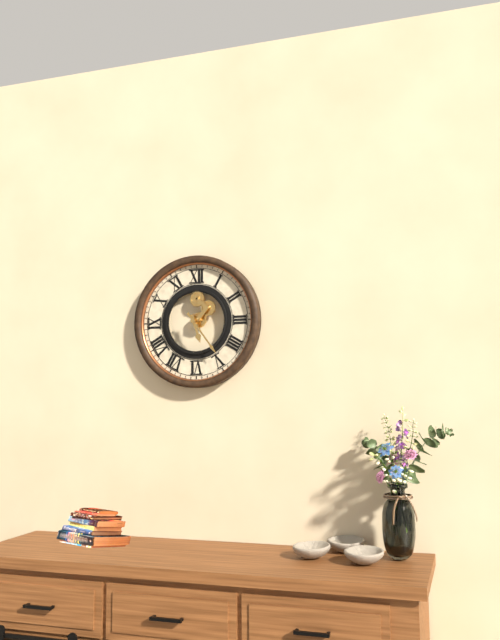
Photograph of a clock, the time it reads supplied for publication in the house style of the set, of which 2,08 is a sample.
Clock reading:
5,24
